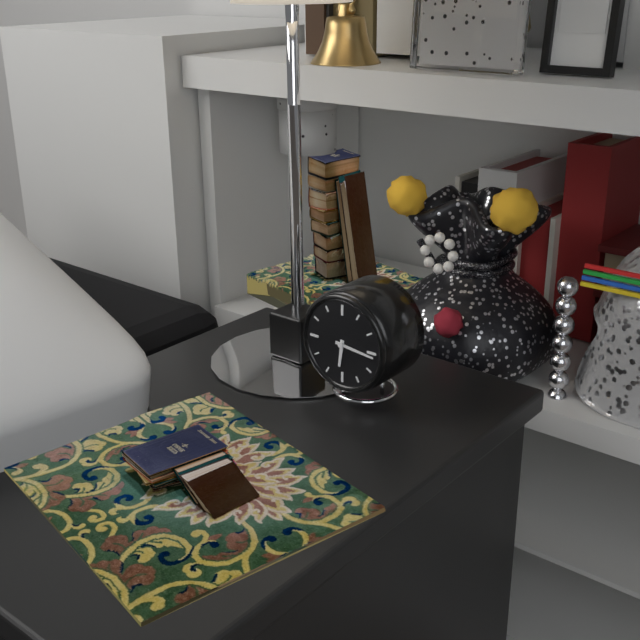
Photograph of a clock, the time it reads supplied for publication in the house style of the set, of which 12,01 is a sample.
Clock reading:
6,16
